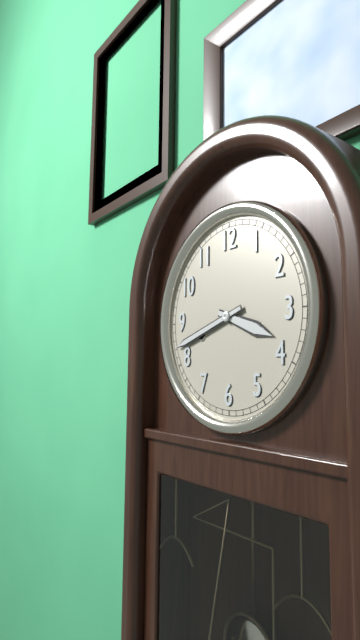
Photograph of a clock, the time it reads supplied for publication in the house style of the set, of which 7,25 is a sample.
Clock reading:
3,42
